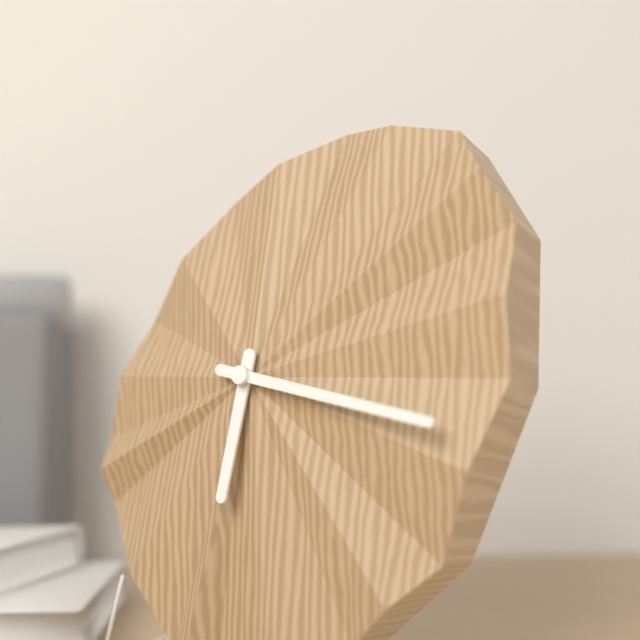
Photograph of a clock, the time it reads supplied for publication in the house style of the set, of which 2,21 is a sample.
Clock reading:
6,17
